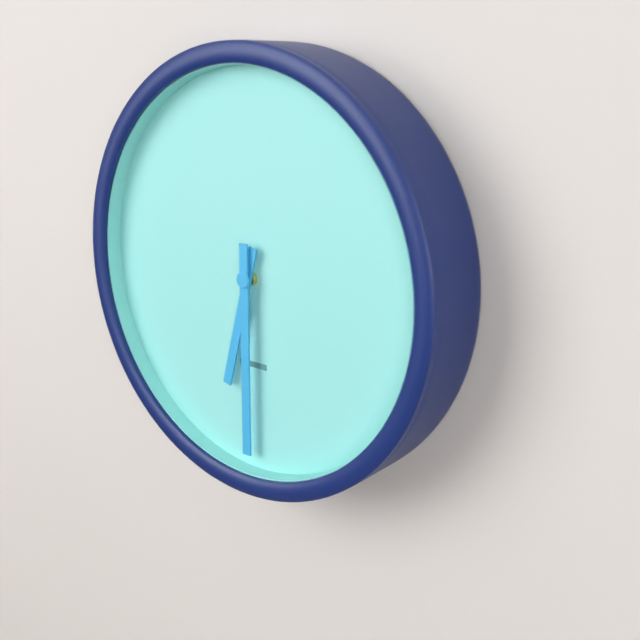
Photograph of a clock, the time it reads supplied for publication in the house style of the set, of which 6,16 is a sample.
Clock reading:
6,30
